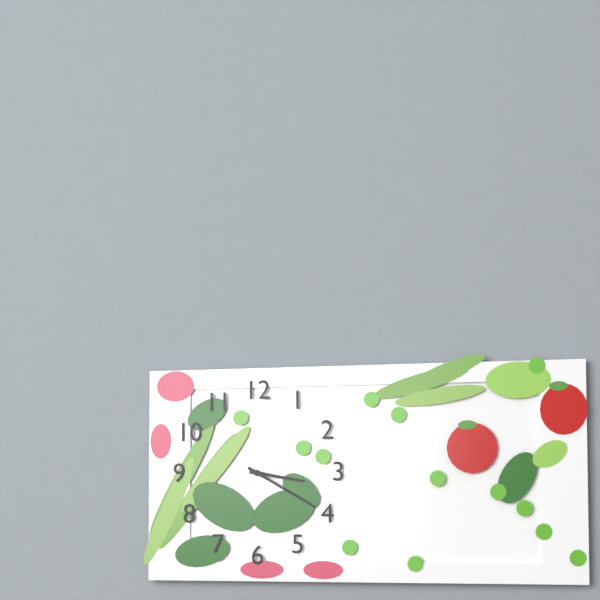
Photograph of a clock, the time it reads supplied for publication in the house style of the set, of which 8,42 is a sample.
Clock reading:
3,20
